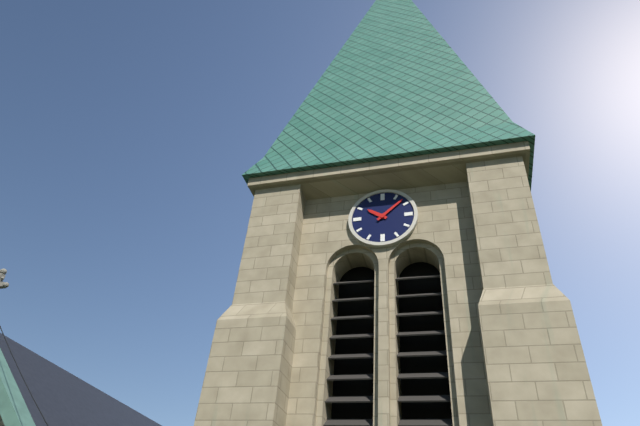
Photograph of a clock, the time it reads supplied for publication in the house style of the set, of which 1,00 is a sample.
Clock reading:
10,08
